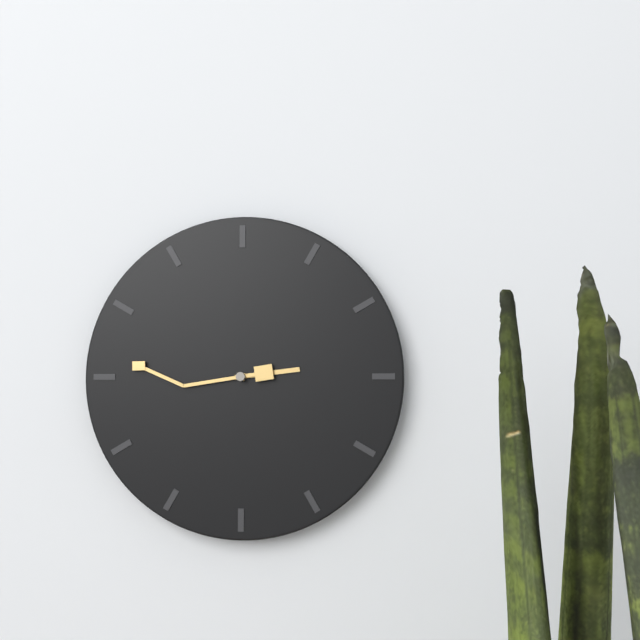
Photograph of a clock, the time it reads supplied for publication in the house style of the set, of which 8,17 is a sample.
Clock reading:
2,46
